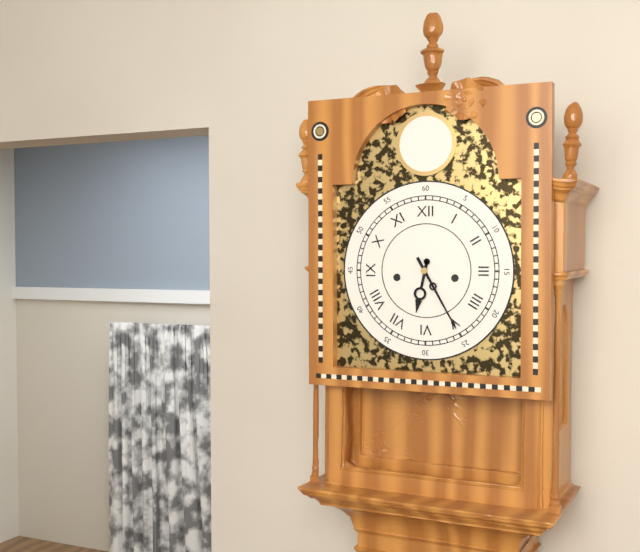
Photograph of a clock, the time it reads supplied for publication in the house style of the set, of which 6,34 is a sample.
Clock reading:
6,25
